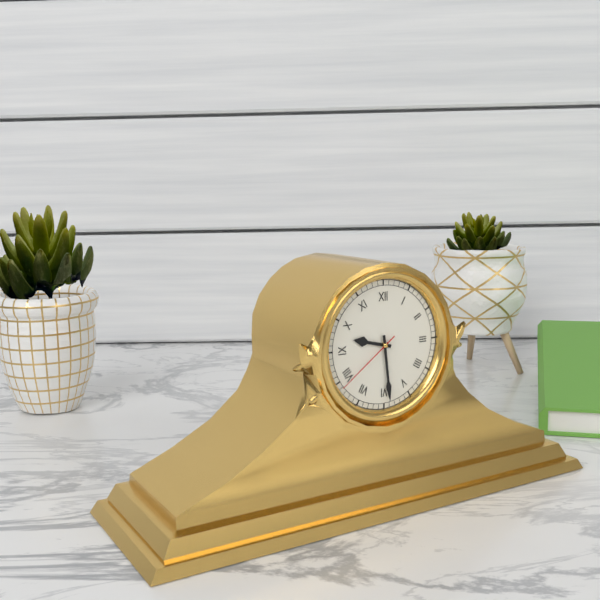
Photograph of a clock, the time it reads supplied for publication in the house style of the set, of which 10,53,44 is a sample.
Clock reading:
9,29,39
